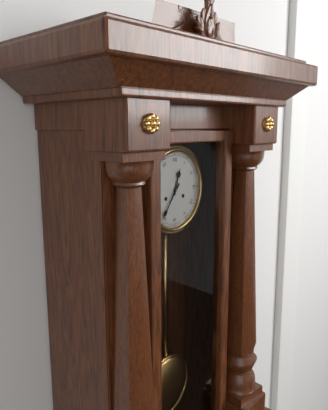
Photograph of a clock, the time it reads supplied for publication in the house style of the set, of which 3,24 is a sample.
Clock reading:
12,36
